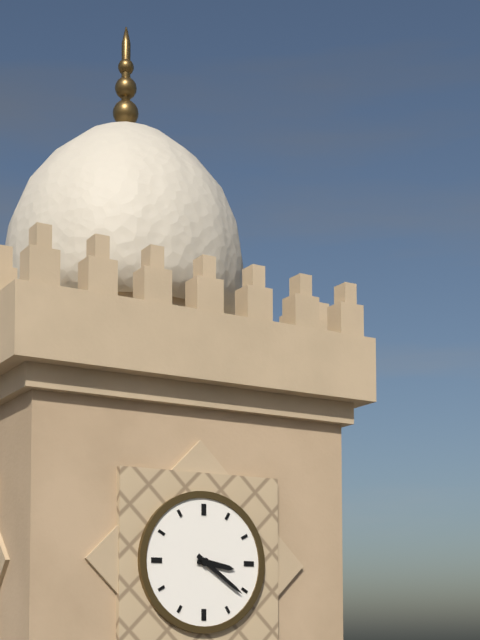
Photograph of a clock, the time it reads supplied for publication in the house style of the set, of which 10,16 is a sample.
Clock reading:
3,21
